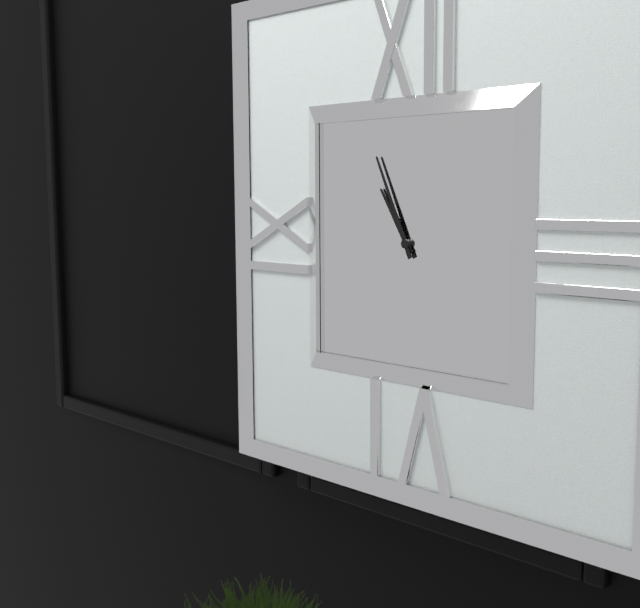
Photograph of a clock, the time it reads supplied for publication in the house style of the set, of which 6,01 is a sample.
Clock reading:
10,56
